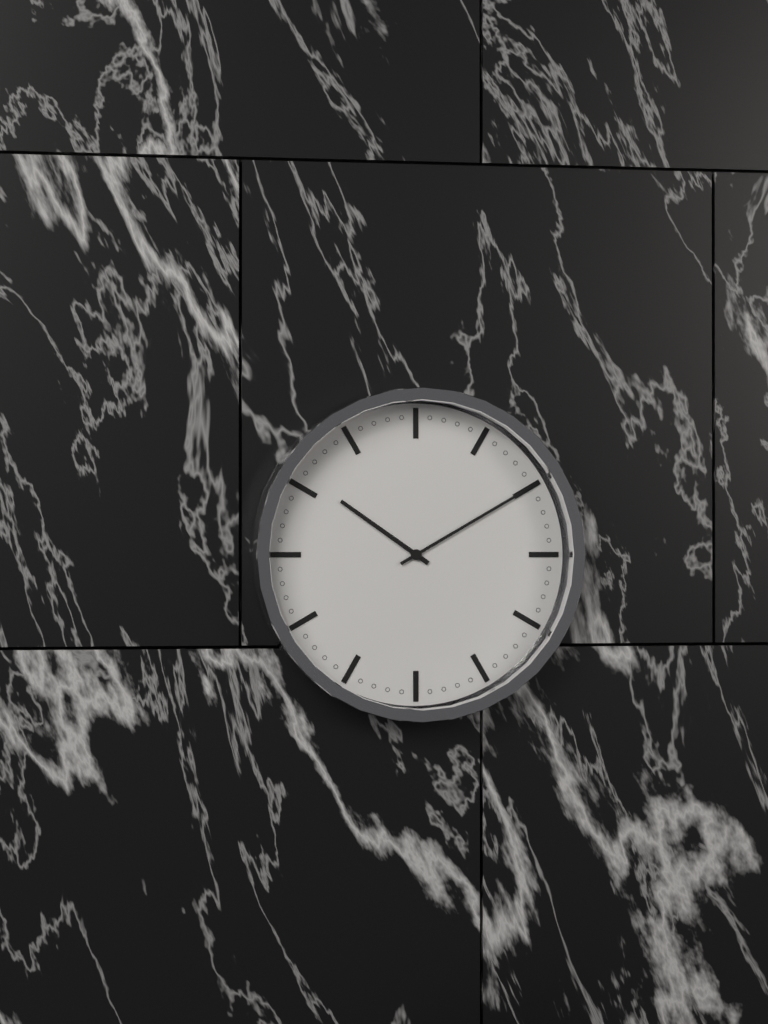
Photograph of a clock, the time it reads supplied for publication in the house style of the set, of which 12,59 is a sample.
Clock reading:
10,10
